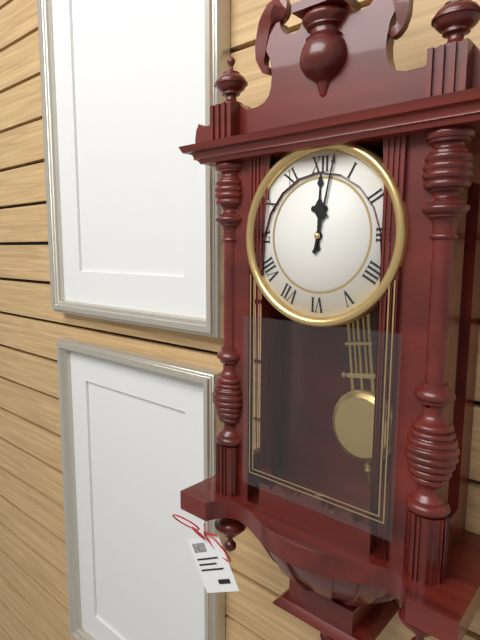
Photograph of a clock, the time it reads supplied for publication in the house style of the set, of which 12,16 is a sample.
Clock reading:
12,02
